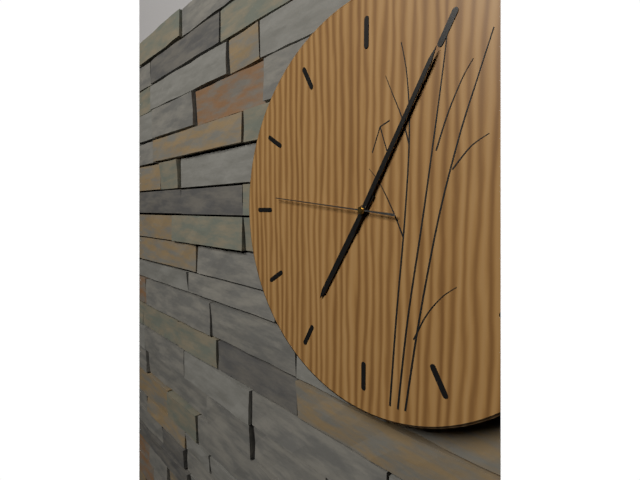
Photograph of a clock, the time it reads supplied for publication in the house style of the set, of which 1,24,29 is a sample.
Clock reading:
7,05,46
